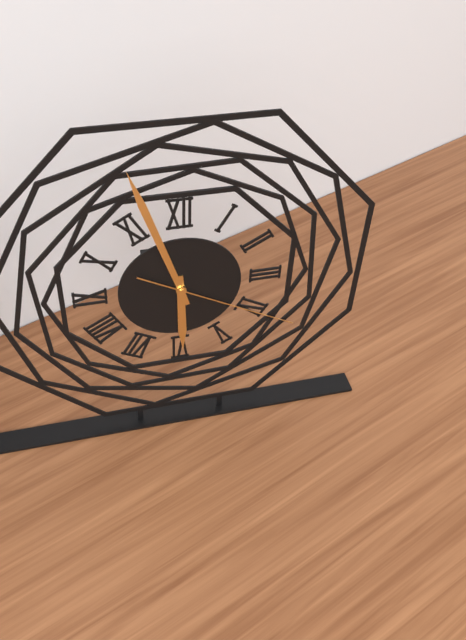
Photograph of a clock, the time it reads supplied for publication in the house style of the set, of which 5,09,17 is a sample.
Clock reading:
5,57,20
